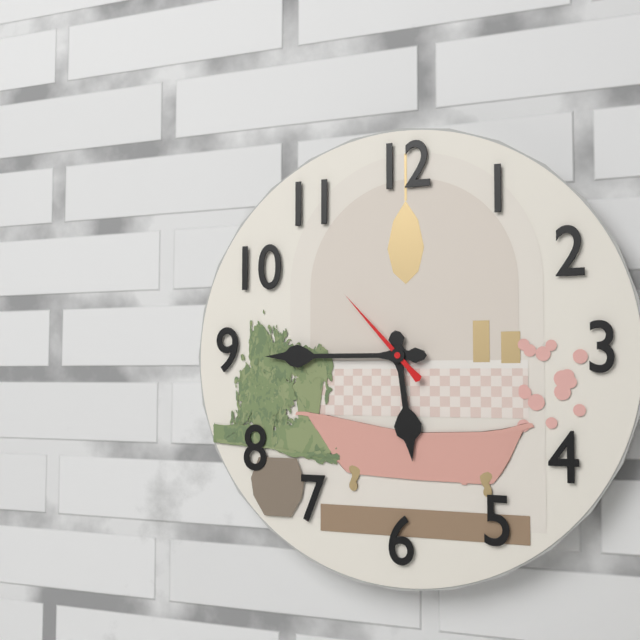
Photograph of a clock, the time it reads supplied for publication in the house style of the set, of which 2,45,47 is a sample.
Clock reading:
5,45,53
